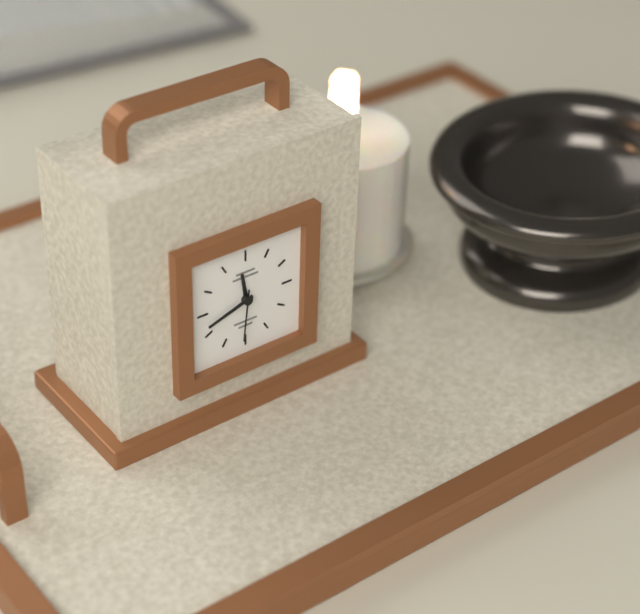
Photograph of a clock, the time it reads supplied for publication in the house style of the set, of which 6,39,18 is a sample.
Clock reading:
11,42,31
